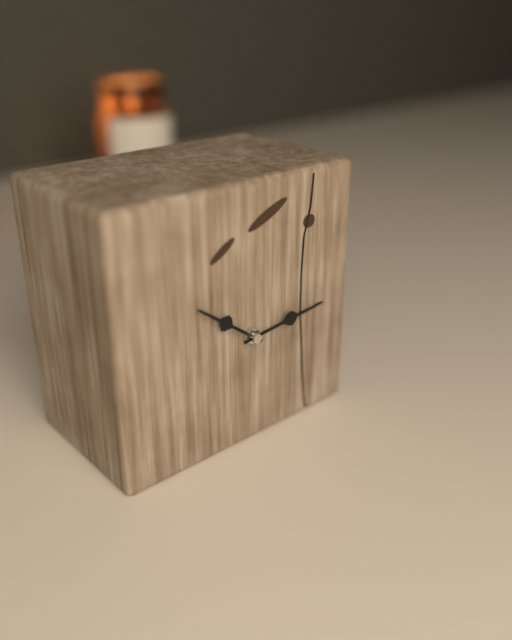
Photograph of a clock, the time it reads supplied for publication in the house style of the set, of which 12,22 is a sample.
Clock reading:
10,14
